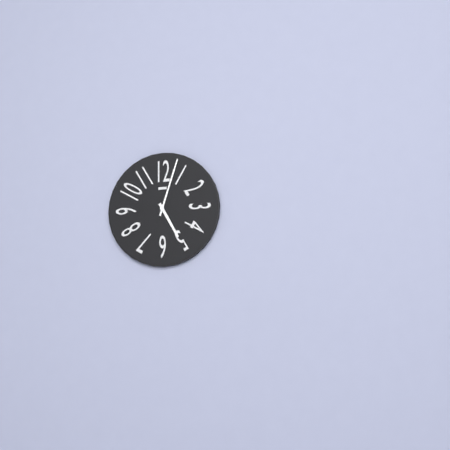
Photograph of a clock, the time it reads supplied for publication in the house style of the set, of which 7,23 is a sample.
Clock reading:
5,03
